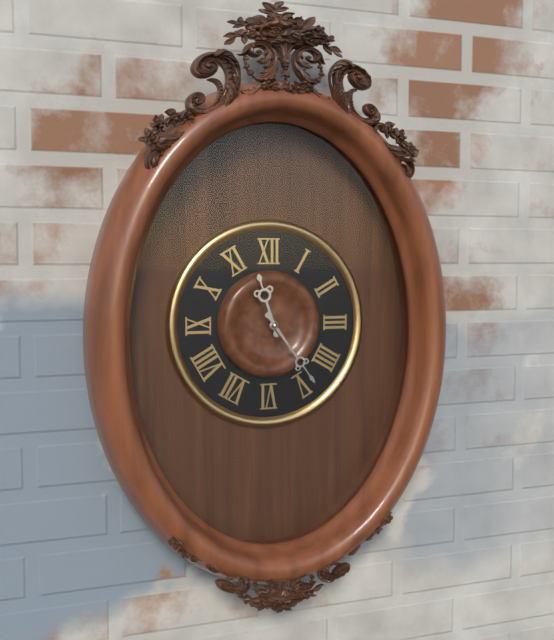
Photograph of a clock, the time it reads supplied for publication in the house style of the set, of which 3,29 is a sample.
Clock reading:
11,24
